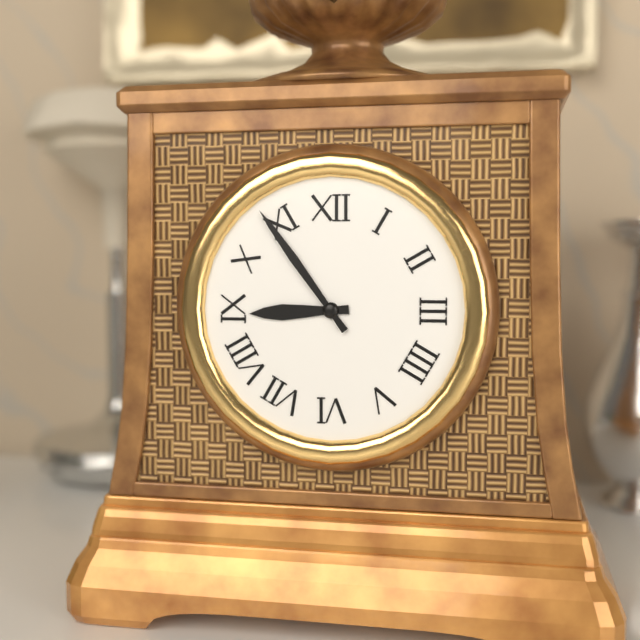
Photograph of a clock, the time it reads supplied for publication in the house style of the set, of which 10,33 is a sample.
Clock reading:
8,54
